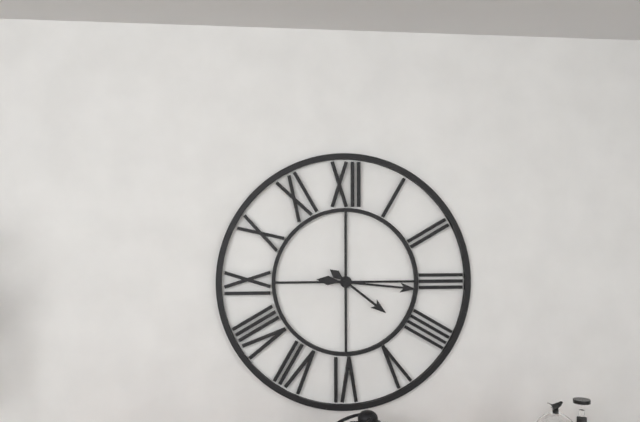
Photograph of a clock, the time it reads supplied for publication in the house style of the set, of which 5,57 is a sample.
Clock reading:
4,16
